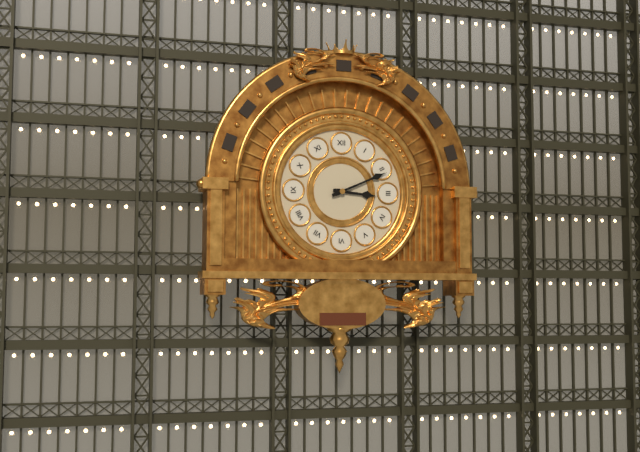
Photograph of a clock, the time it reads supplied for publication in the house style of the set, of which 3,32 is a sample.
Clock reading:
3,11
